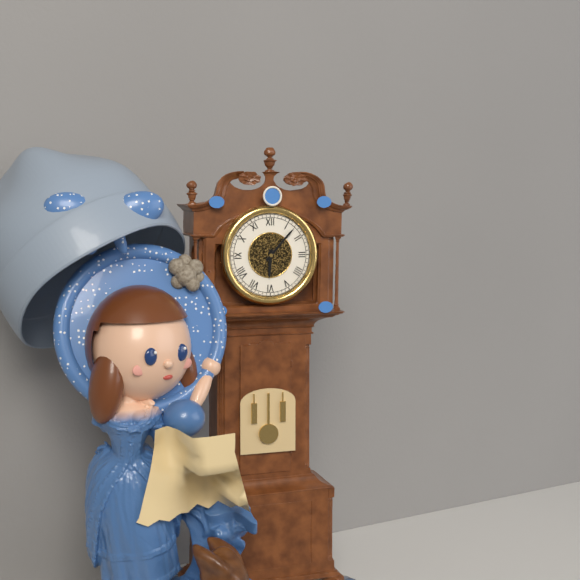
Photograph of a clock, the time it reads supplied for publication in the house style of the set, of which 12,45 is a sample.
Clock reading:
6,07
